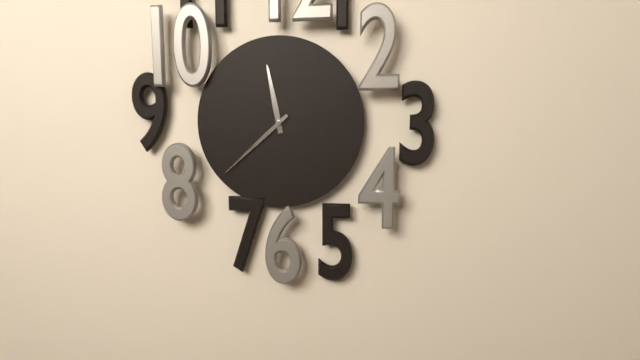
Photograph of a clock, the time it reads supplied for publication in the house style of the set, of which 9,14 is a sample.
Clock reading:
11,38
